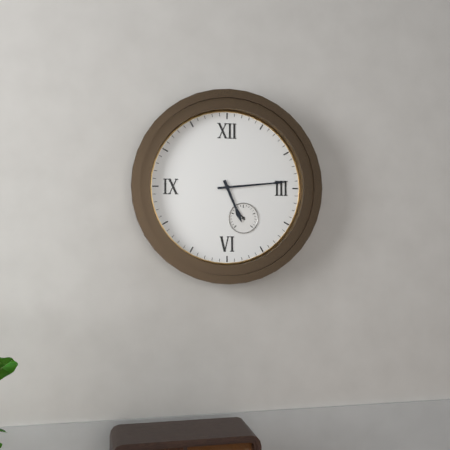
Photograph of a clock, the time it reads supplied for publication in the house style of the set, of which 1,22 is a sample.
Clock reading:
5,14
